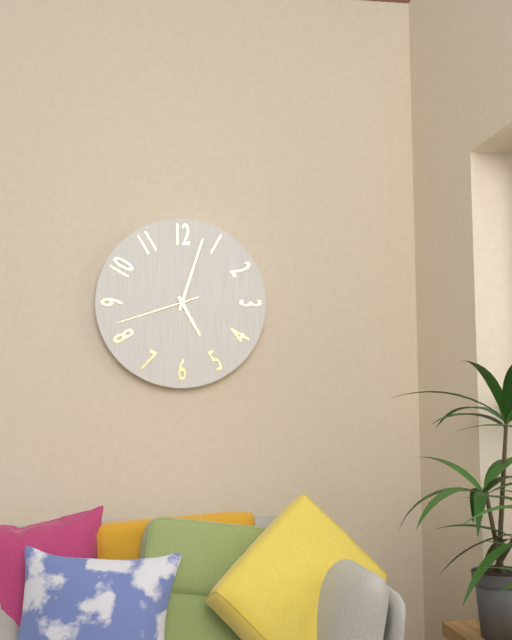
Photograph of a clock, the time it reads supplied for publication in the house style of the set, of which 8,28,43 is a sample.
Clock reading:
5,03,42
